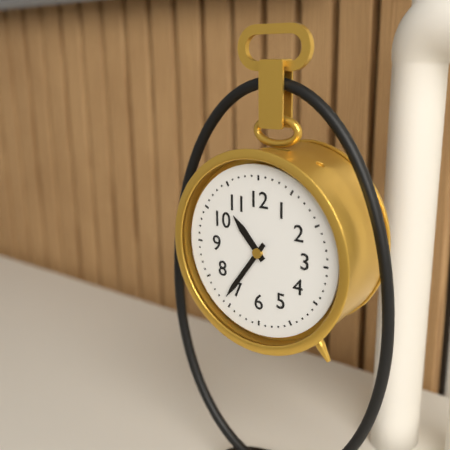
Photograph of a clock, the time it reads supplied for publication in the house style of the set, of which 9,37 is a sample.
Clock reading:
10,36
